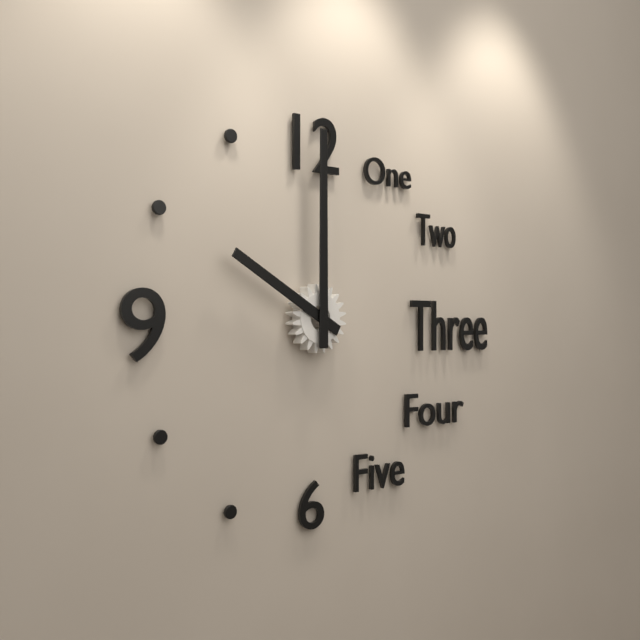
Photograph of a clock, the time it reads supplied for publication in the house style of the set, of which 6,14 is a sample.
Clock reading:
10,00
